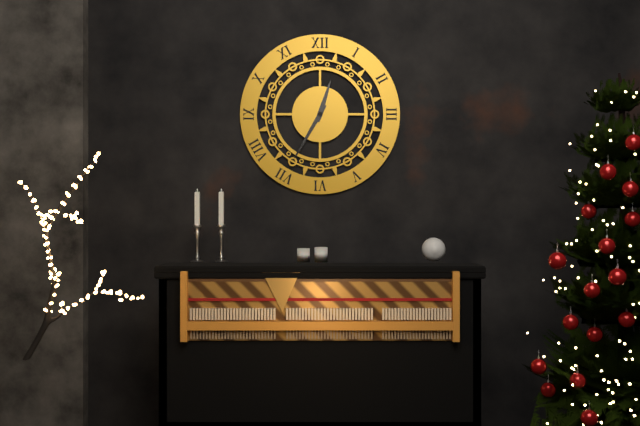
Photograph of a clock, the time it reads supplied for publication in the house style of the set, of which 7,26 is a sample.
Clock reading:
12,35
